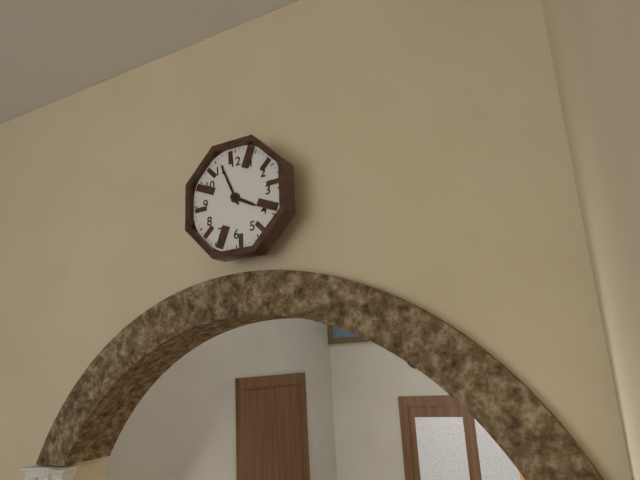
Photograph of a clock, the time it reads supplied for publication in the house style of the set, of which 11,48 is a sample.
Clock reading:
3,56
